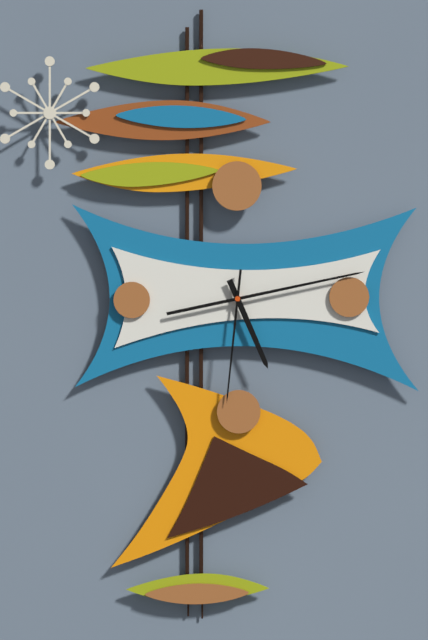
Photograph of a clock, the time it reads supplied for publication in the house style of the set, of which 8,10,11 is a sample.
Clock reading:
5,13,31
